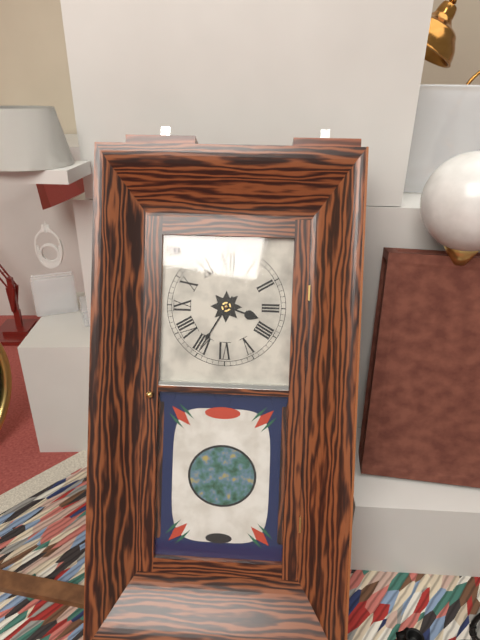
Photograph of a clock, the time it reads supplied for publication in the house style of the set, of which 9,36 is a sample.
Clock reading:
3,35
